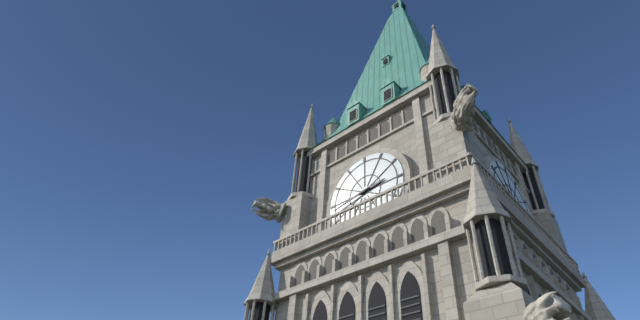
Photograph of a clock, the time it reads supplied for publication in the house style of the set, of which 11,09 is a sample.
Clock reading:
2,43
